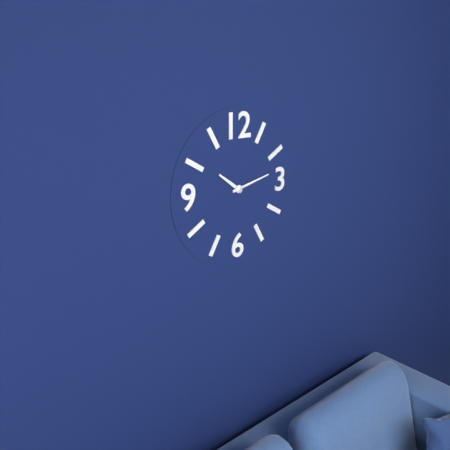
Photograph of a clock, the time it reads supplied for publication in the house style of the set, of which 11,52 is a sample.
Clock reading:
10,13
